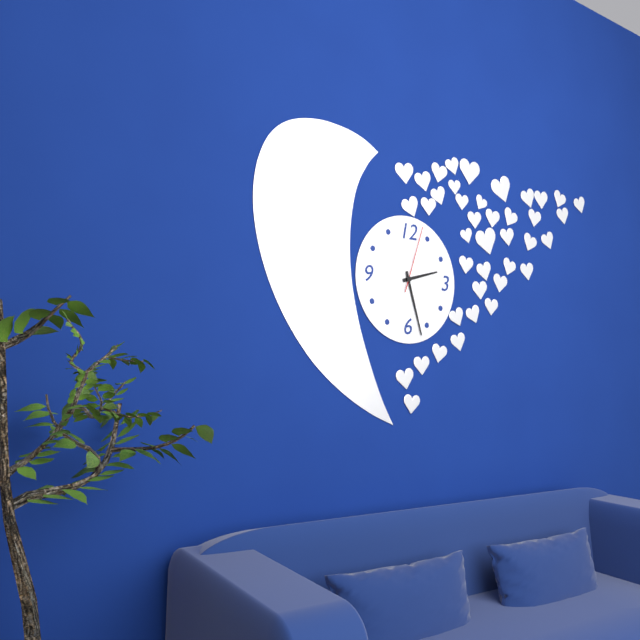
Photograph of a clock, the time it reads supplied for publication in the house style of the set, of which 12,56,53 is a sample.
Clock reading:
2,27,03
